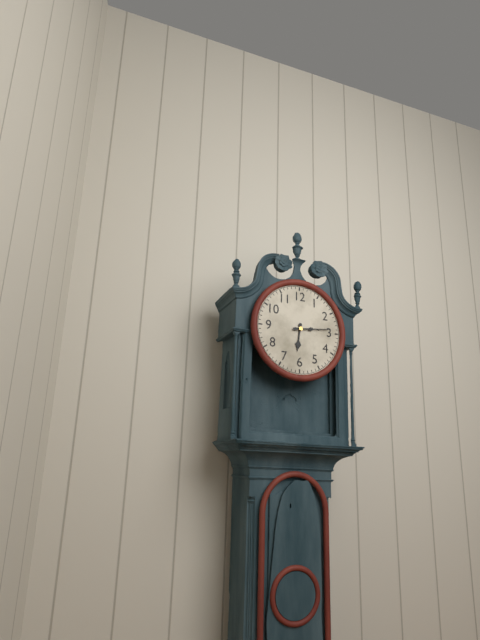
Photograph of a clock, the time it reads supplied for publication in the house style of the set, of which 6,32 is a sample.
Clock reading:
6,14
